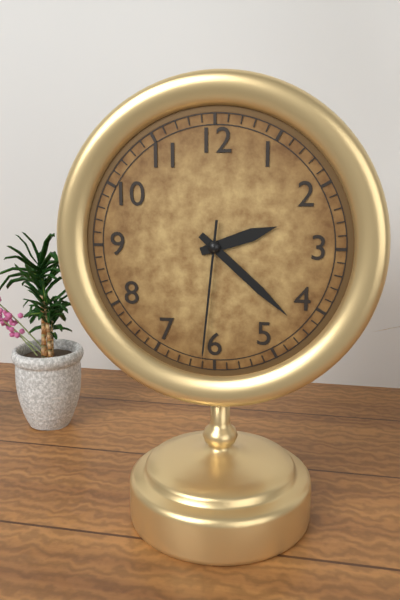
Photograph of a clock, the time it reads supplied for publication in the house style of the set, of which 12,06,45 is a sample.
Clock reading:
2,22,31
